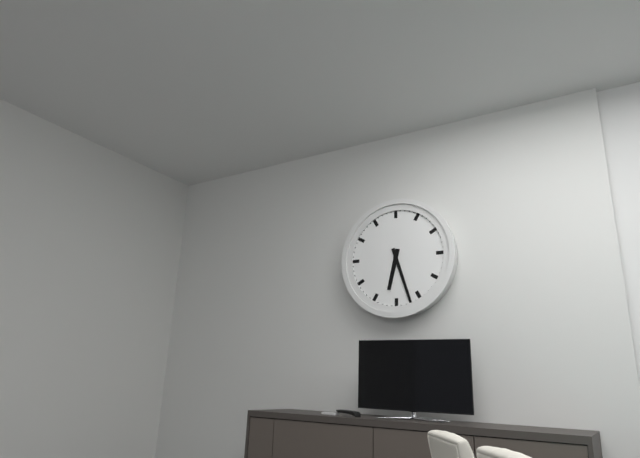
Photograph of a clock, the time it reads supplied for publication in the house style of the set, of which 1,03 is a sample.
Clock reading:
6,27
